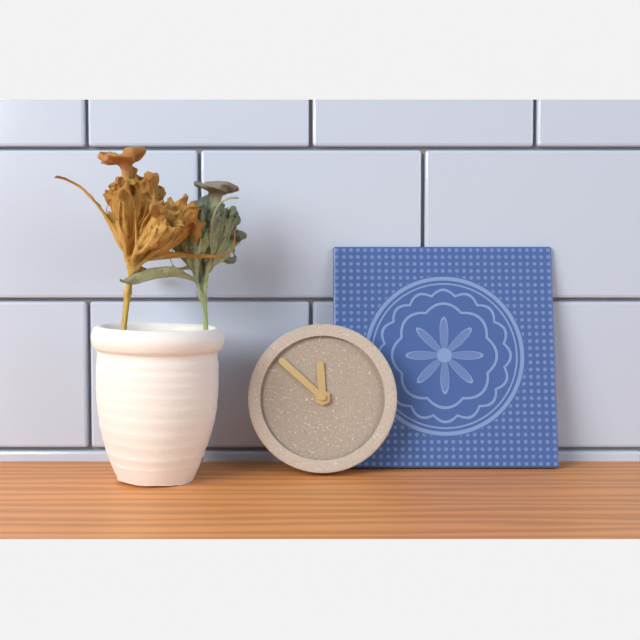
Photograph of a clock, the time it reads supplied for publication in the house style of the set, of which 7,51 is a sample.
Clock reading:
11,52
